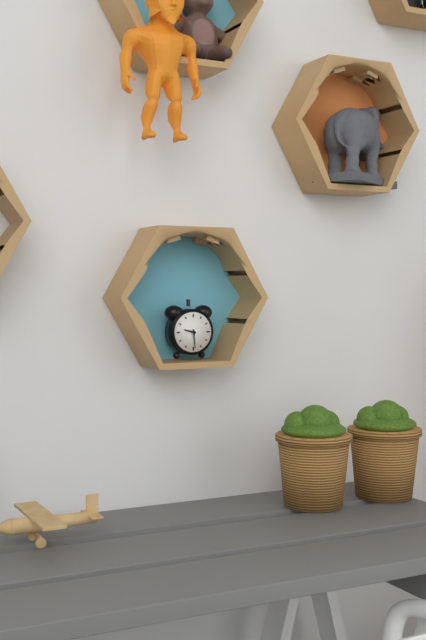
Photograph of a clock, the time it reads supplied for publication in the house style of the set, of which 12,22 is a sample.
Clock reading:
9,29
